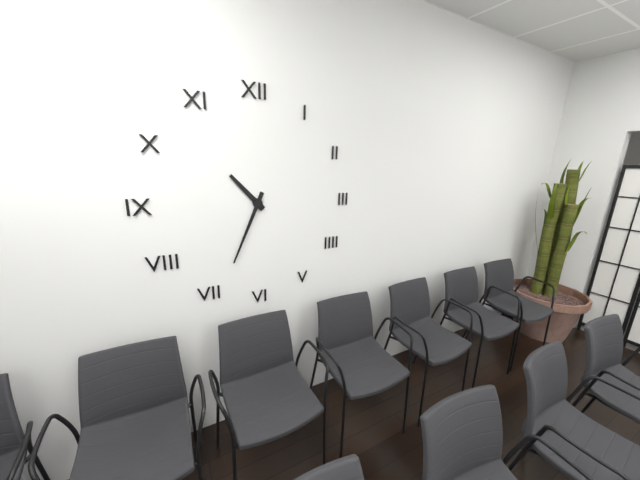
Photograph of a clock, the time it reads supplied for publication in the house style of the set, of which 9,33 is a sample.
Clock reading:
10,34
